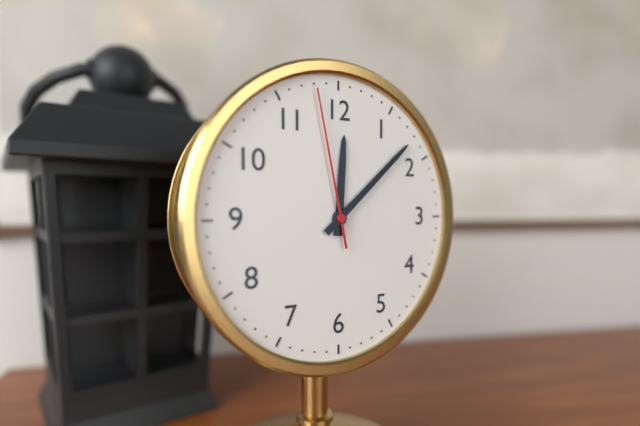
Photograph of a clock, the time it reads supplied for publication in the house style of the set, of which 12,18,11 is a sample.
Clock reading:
12,08,58
